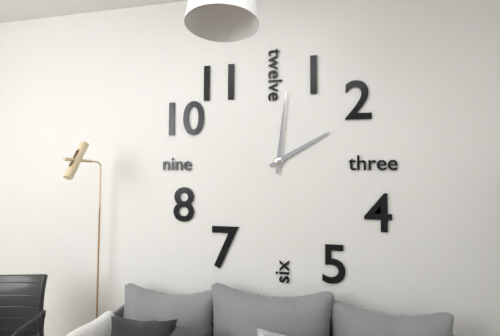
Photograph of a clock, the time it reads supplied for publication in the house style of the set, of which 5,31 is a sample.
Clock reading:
2,01
